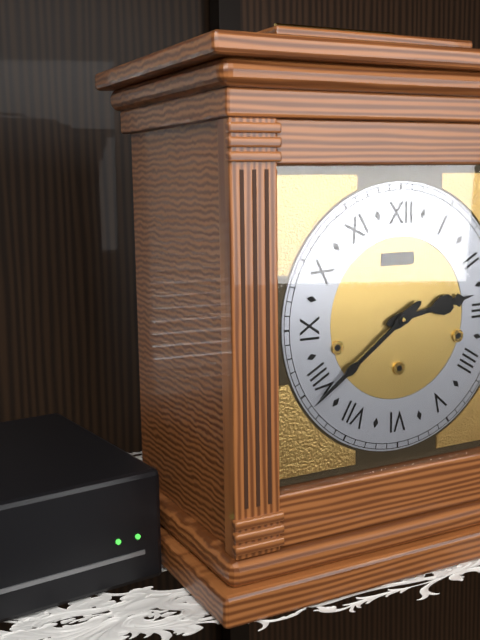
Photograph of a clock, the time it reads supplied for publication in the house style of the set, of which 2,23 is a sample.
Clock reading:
2,39
